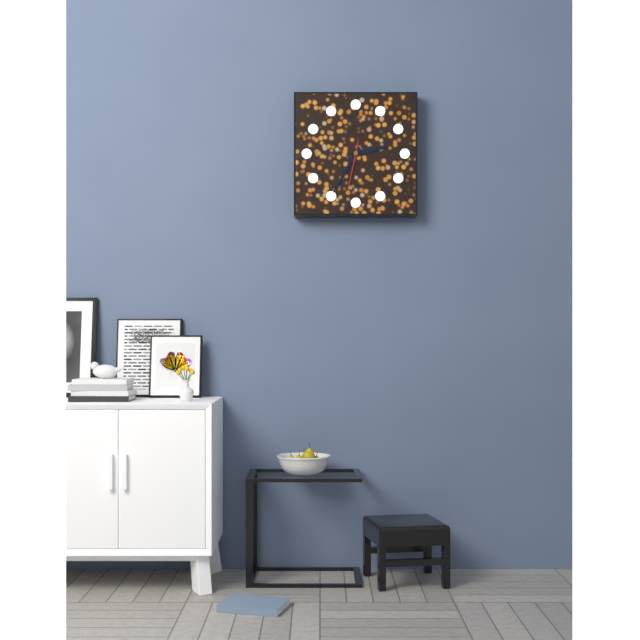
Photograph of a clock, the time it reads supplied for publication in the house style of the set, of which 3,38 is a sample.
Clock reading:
2,35
